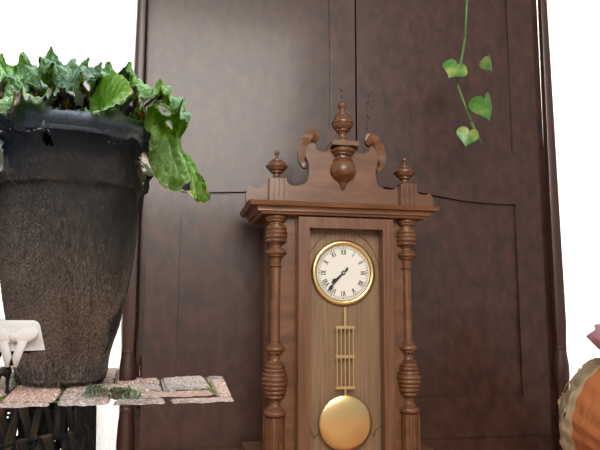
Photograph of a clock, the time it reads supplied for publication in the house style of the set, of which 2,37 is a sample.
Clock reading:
7,37
